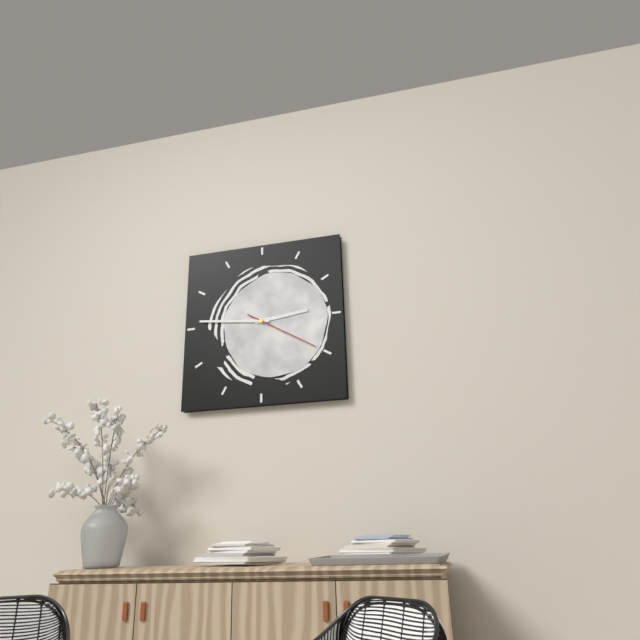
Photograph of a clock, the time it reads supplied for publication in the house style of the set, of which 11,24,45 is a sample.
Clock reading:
2,46,20
